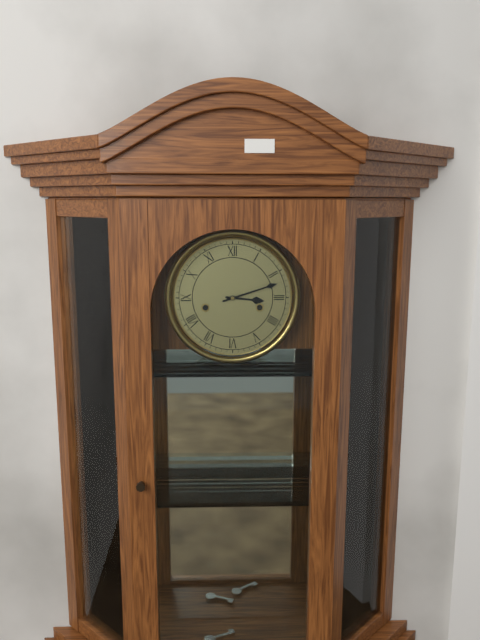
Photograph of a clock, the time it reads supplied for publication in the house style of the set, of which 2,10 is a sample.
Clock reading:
3,12
